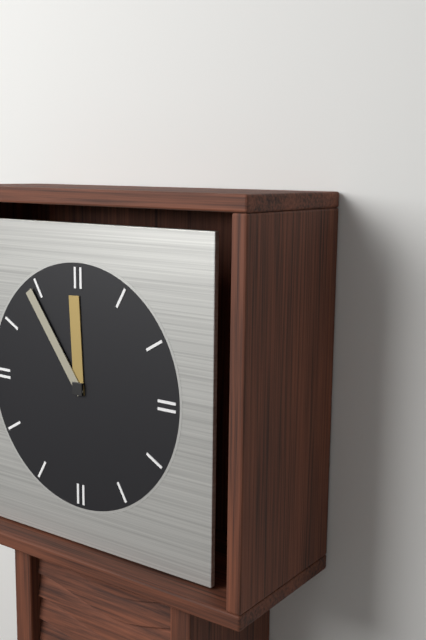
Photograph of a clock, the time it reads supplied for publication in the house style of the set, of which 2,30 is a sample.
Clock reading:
11,54
